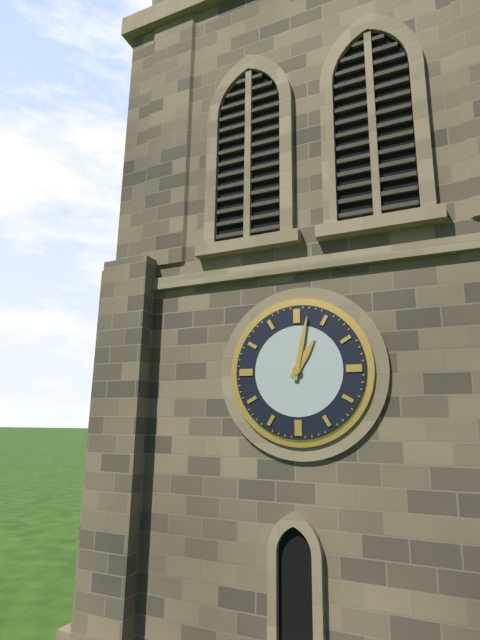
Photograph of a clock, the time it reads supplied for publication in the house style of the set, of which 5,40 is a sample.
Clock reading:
1,02
